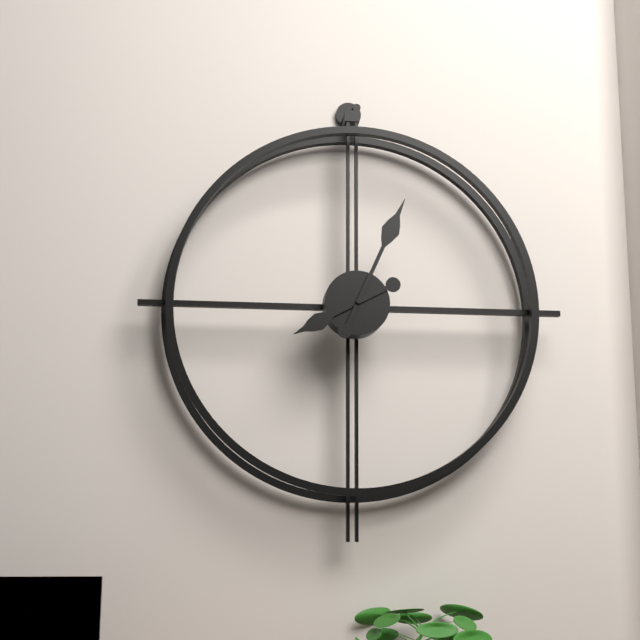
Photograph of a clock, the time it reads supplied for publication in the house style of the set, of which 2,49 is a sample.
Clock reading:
8,04
